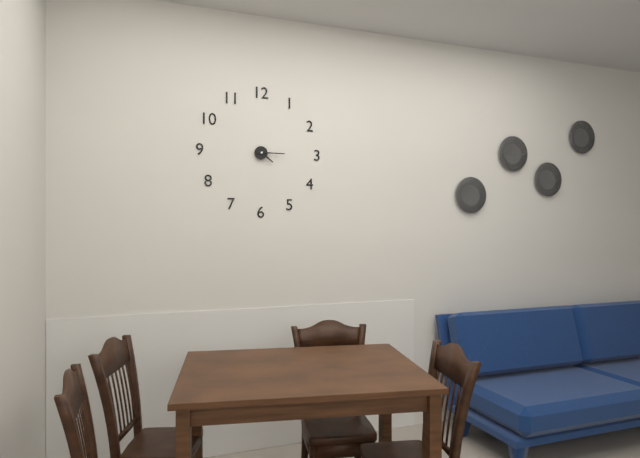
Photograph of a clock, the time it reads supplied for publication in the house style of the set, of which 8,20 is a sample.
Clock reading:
4,15
